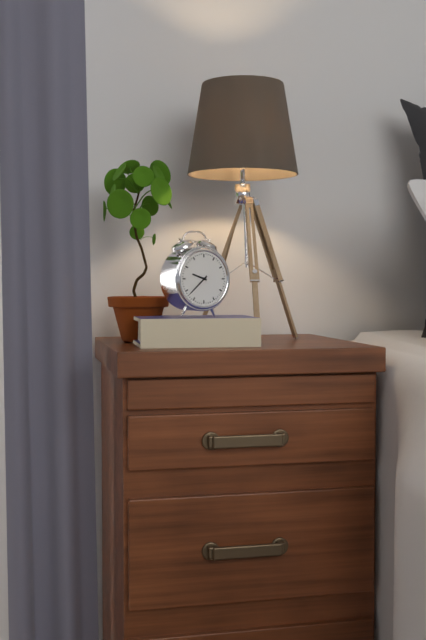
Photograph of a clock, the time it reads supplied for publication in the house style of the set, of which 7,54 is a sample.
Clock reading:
9,38
